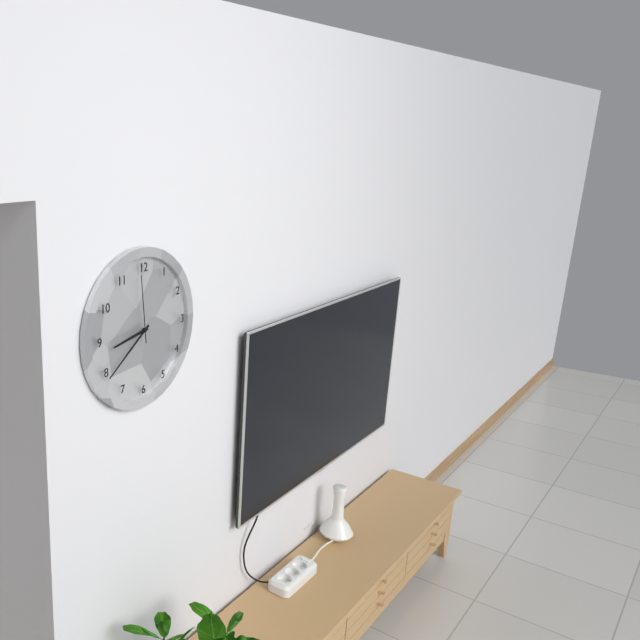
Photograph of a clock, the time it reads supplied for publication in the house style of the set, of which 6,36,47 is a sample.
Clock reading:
8,39,59
